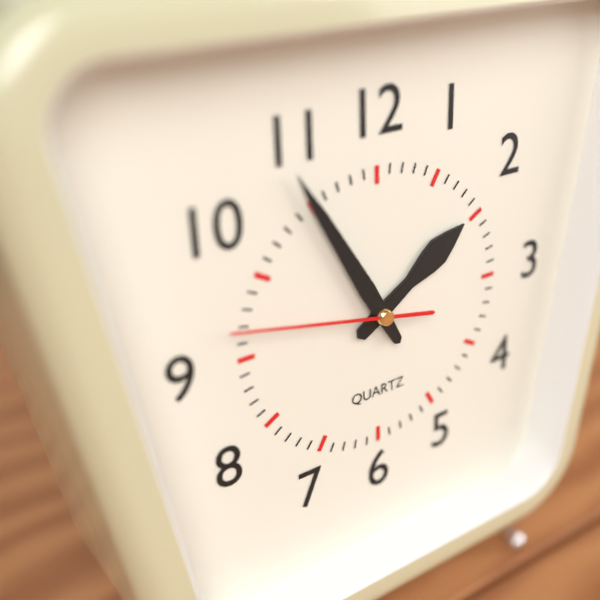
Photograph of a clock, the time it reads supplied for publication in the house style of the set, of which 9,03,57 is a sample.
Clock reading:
1,55,47
